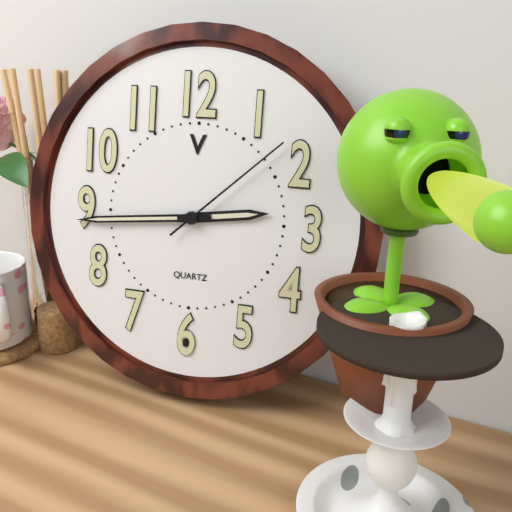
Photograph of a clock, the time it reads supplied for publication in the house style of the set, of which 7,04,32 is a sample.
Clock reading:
2,44,08
